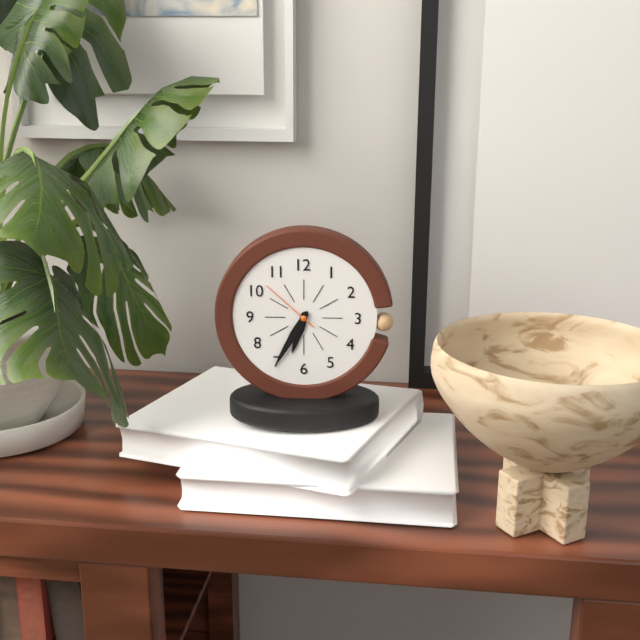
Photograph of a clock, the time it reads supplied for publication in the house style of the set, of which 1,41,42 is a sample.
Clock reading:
6,35,52
